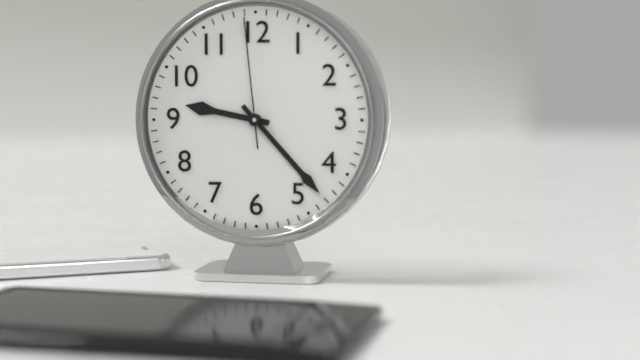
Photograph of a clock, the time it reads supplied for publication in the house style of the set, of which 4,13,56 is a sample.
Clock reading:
9,23,59
